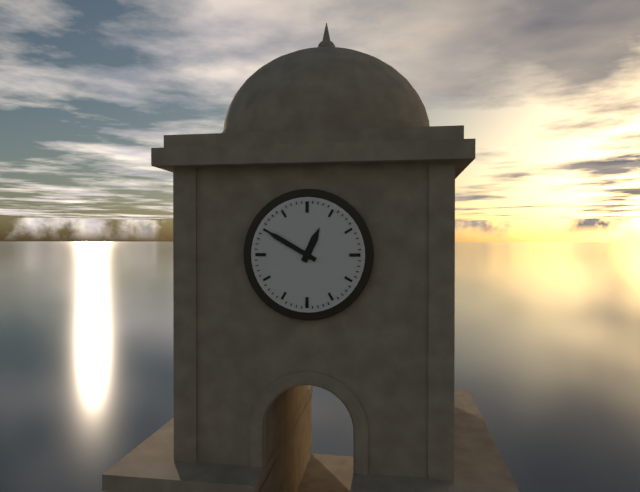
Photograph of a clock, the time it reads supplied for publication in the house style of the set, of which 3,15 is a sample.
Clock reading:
12,50
